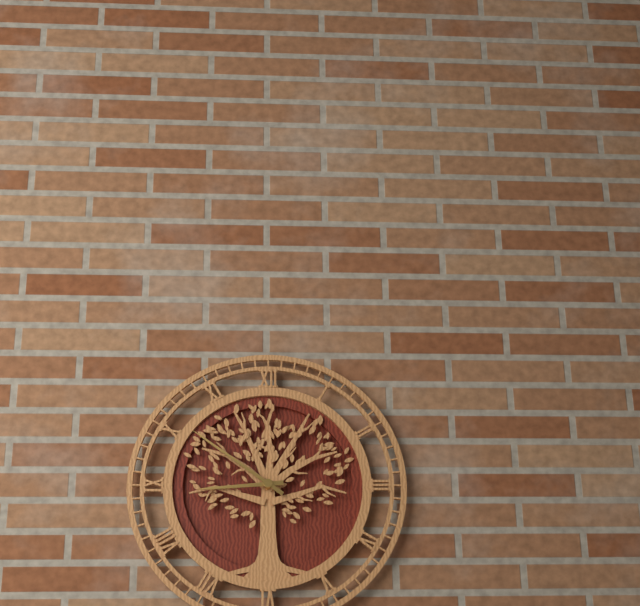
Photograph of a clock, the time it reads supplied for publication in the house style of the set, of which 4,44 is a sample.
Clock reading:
8,51
